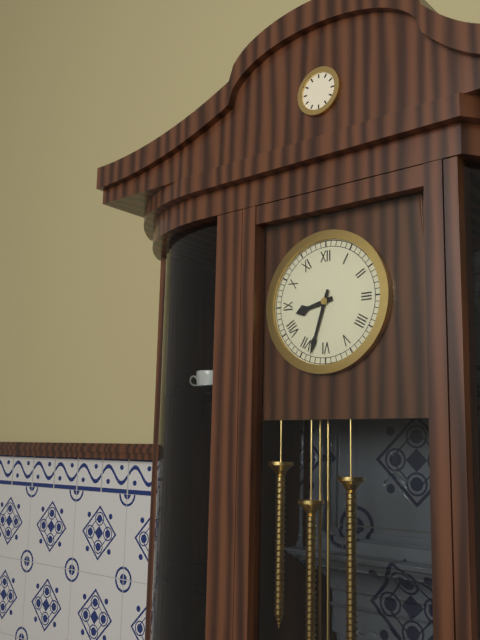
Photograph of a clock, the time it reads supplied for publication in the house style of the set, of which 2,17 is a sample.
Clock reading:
8,33
